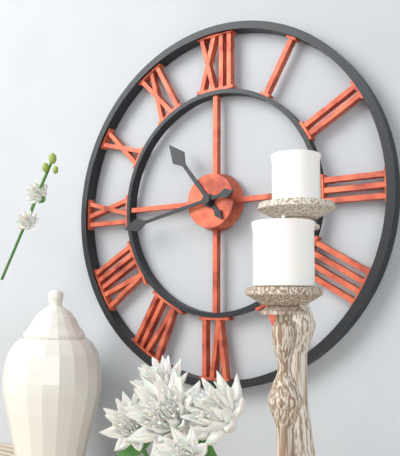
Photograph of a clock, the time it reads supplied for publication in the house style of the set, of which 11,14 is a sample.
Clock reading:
10,43
